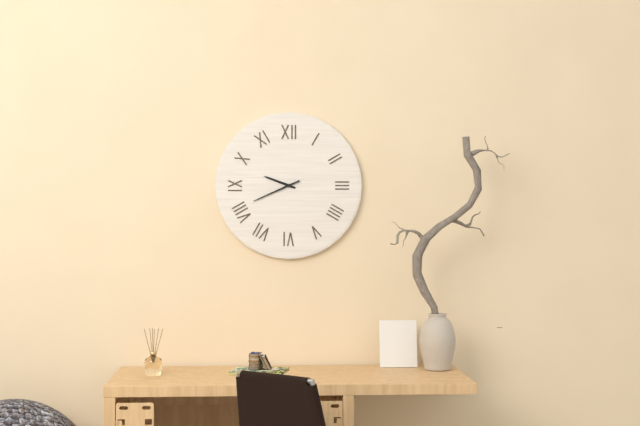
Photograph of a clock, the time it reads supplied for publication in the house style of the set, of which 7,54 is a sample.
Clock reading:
9,41
